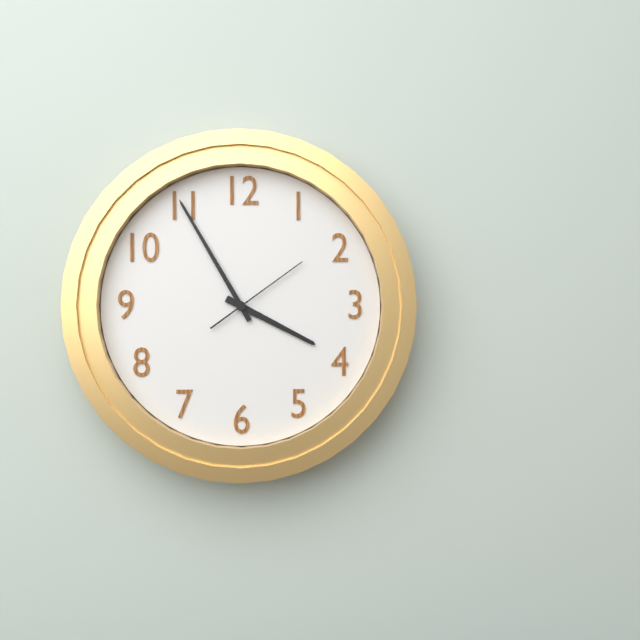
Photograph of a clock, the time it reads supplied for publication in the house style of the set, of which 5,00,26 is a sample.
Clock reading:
3,55,09
